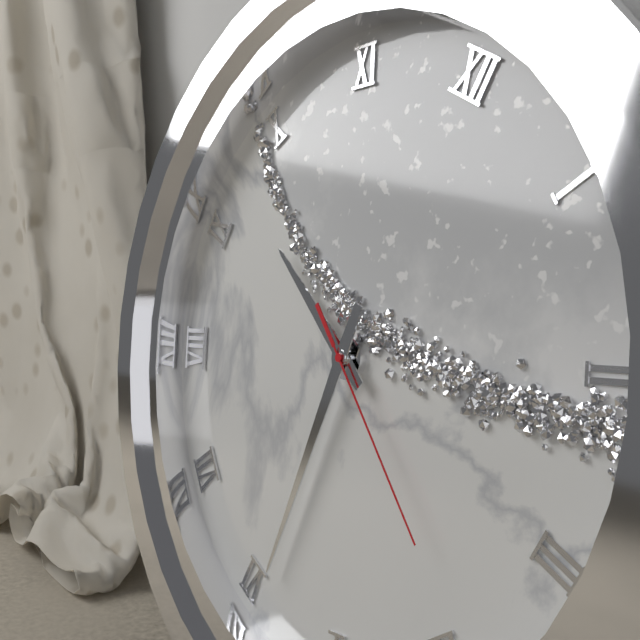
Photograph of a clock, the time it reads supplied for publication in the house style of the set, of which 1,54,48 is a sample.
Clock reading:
9,29,19
